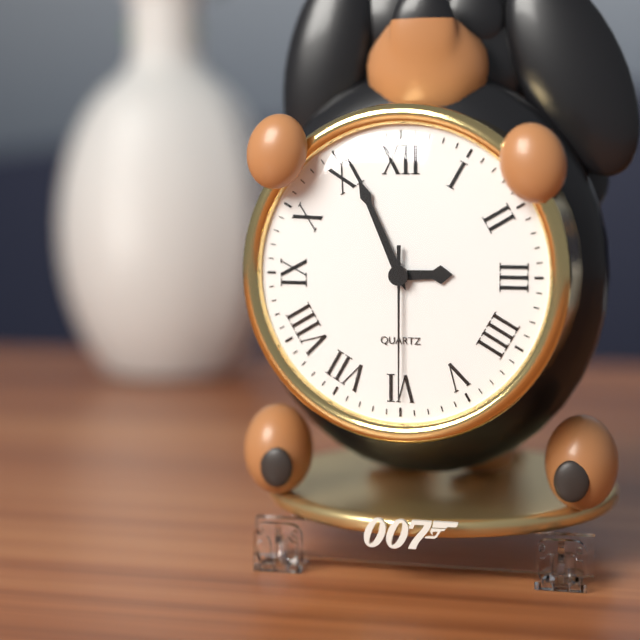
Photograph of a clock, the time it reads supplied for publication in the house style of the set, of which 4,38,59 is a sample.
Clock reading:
2,56,30
